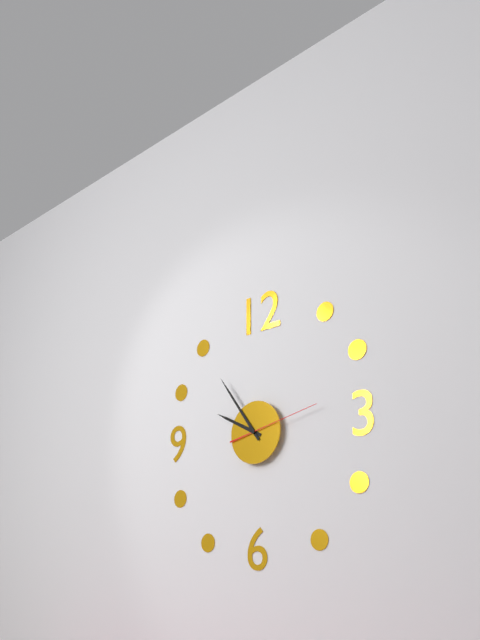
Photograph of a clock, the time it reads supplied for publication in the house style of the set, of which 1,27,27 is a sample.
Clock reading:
9,54,13
